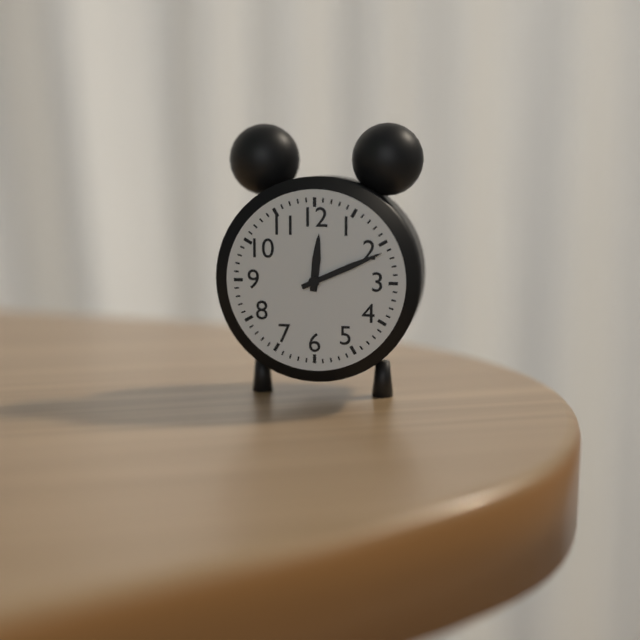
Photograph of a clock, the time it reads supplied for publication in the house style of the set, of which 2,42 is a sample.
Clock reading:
12,11
